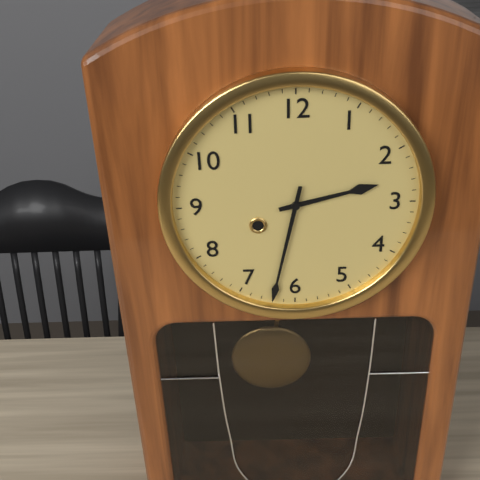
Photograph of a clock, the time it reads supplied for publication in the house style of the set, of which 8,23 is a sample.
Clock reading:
2,32
